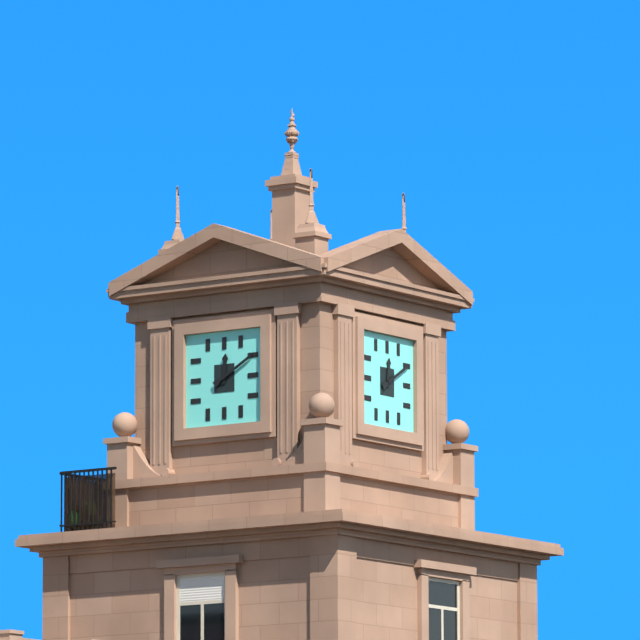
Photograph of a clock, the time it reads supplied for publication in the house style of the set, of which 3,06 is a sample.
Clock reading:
12,10
